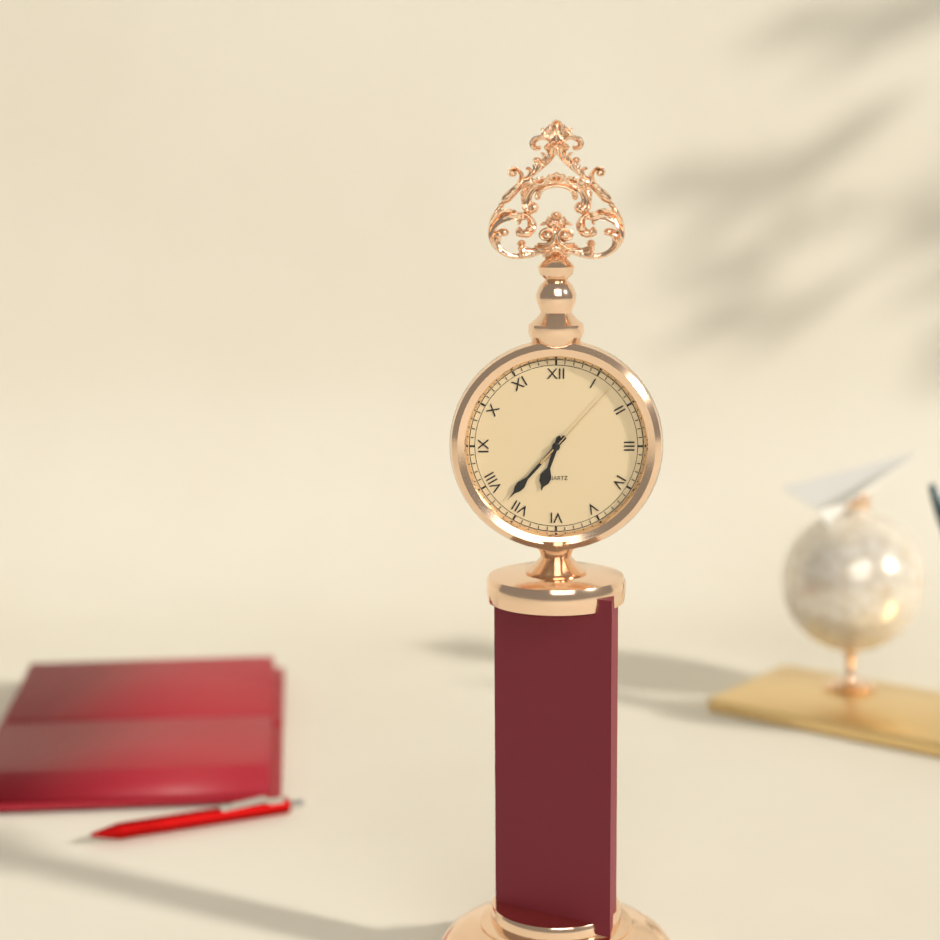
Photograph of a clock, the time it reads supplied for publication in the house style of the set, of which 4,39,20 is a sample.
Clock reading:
6,37,07
